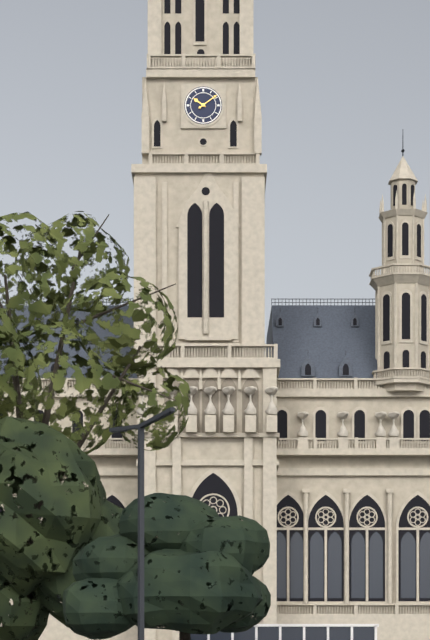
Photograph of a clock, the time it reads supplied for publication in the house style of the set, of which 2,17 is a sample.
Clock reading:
10,09
